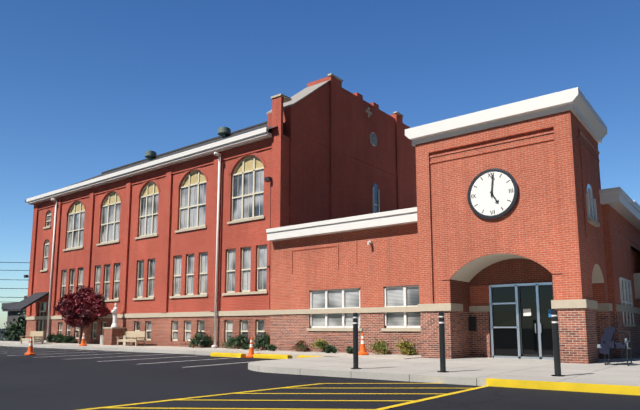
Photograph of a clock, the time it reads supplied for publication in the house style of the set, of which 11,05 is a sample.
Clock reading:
5,01
